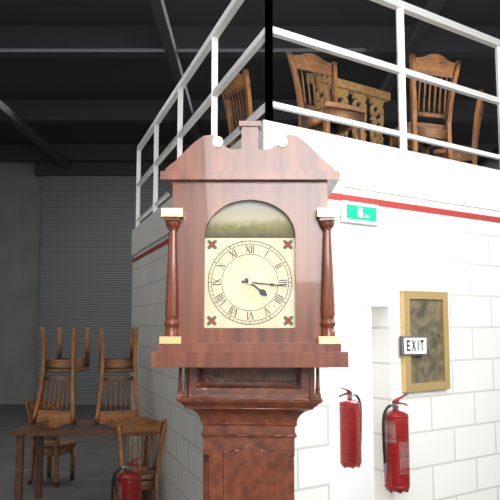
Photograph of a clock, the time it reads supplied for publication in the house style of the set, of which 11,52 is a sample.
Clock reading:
4,16
